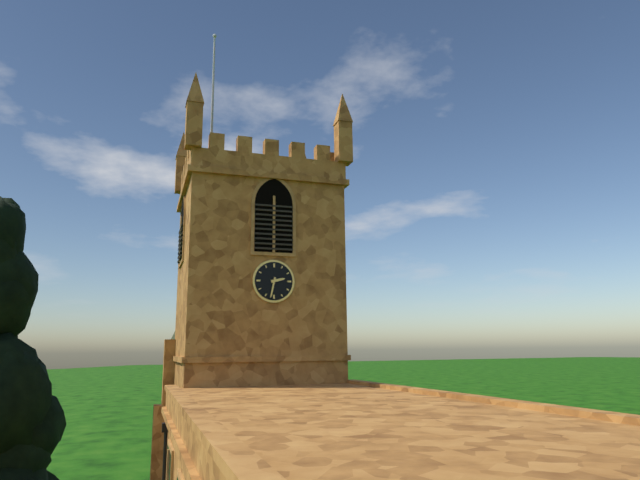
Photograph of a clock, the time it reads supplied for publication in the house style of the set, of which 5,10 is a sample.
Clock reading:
2,32
